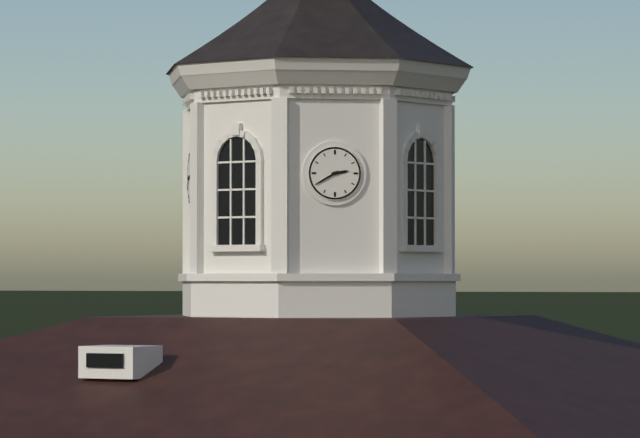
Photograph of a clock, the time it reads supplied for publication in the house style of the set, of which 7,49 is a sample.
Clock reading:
2,40
